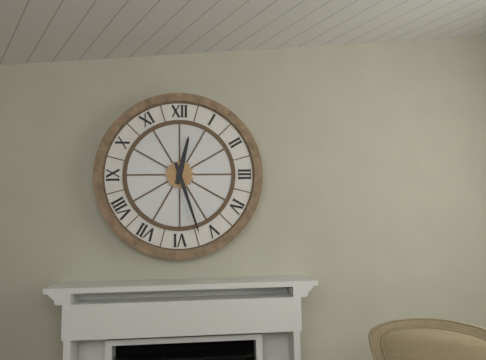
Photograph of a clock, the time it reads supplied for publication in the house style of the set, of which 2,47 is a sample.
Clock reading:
12,27
